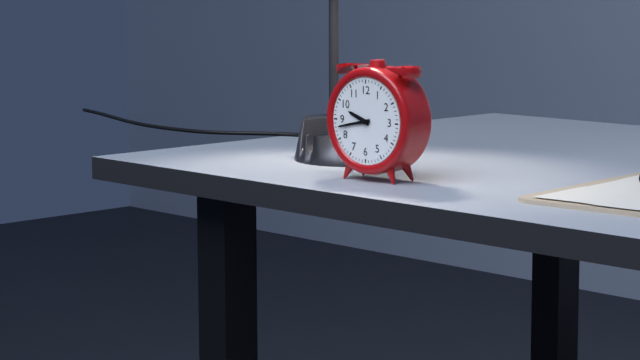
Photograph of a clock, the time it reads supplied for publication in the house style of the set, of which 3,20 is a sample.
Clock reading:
9,43
